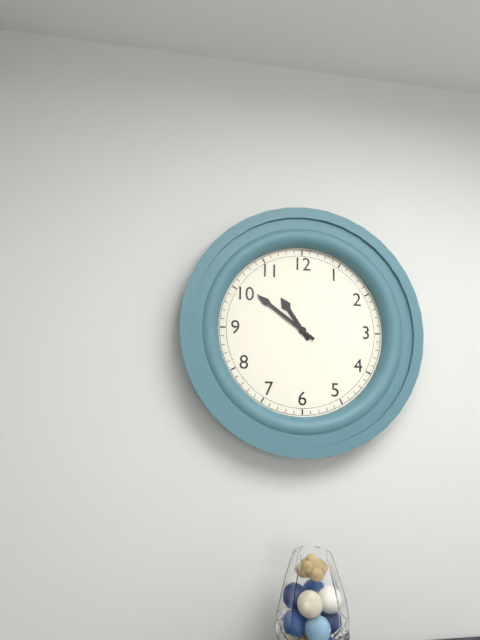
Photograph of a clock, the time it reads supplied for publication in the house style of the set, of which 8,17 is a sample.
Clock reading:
10,51
